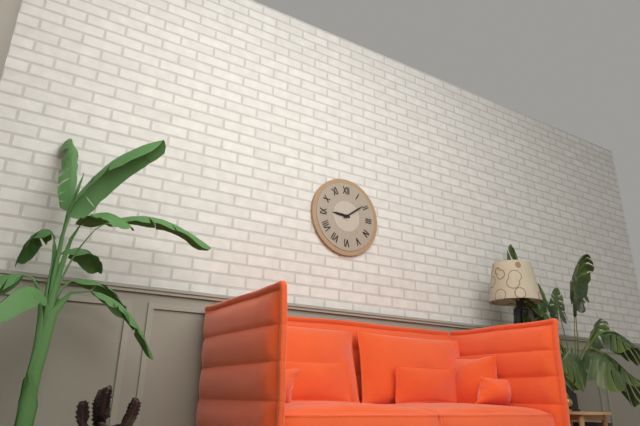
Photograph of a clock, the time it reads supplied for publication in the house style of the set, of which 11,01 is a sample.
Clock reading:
9,09
